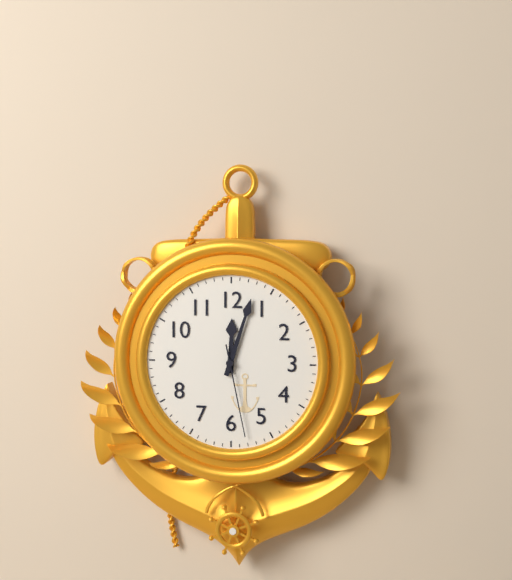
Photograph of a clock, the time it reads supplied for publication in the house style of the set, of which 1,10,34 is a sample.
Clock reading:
12,03,28
